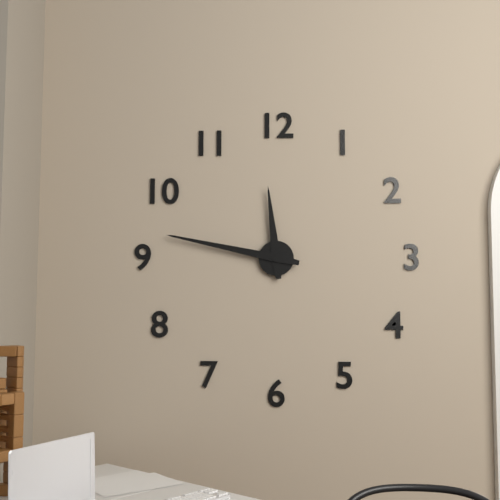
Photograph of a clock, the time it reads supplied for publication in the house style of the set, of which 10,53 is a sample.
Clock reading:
11,47
